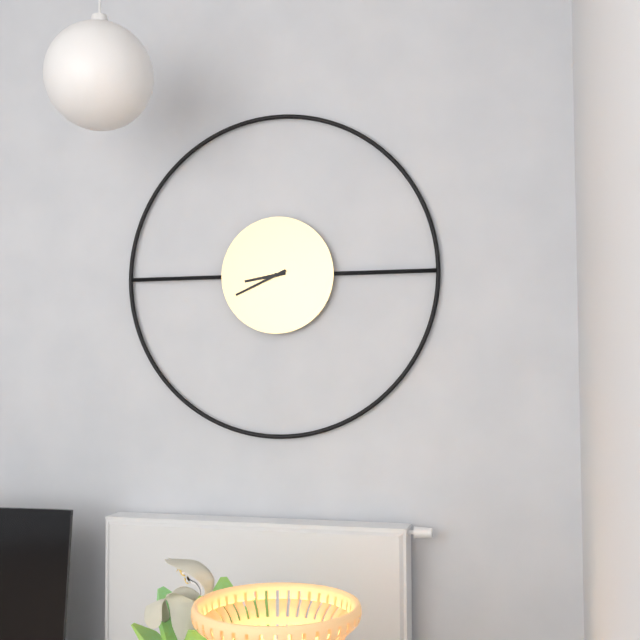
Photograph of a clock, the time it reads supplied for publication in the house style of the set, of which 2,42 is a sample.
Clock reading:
8,41
